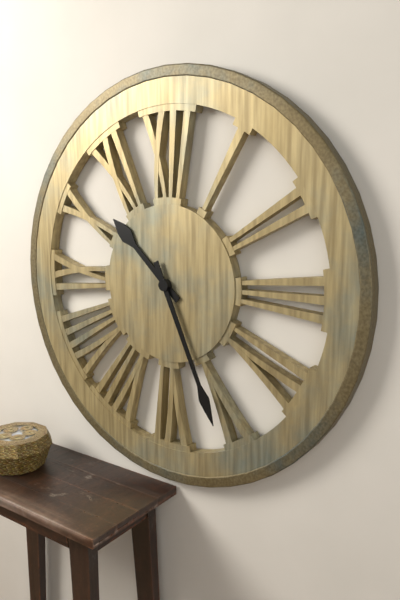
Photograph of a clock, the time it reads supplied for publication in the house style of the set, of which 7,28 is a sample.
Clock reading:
10,26
